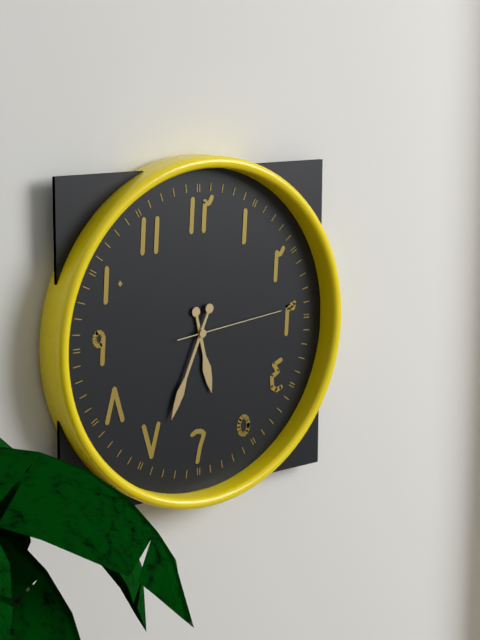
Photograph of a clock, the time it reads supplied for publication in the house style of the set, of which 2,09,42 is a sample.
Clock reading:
5,34,14
